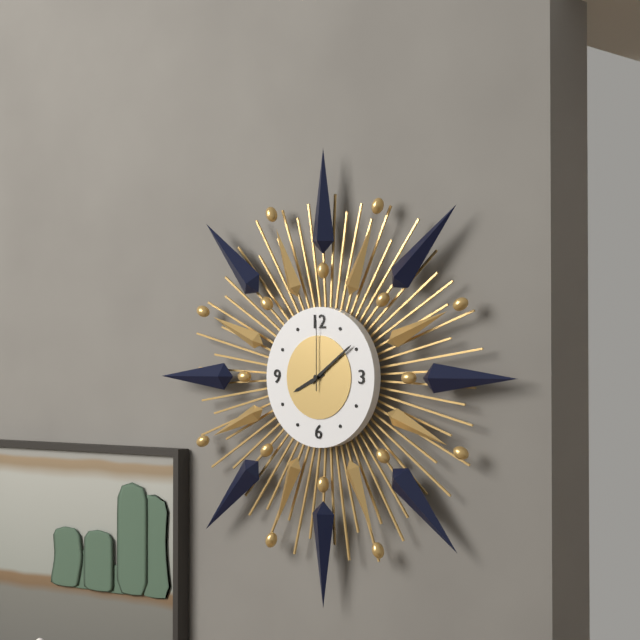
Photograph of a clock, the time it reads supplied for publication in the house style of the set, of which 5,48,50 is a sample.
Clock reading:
8,09,00
